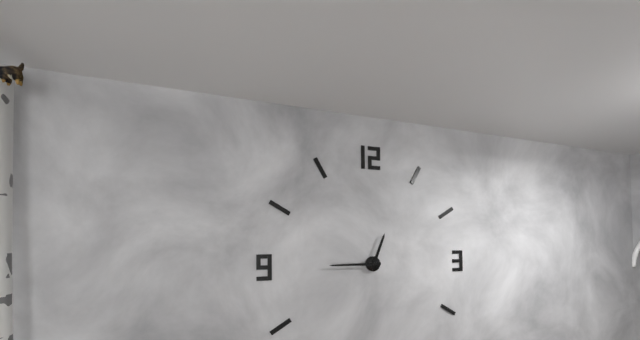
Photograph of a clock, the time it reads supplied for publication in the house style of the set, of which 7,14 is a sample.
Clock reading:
12,45
